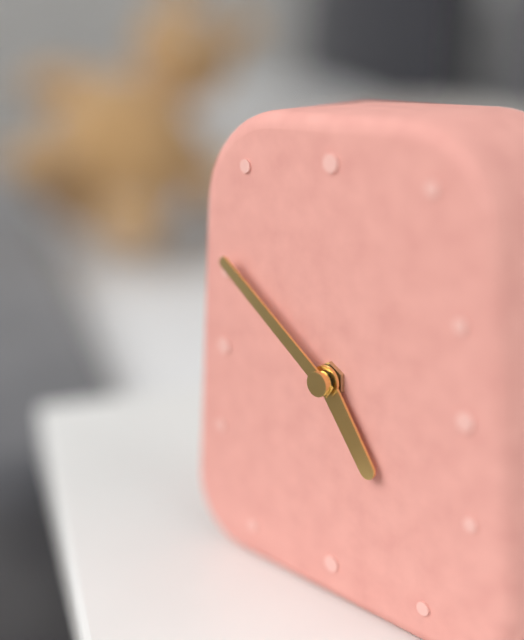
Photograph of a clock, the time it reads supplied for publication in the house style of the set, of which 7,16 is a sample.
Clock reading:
4,51
